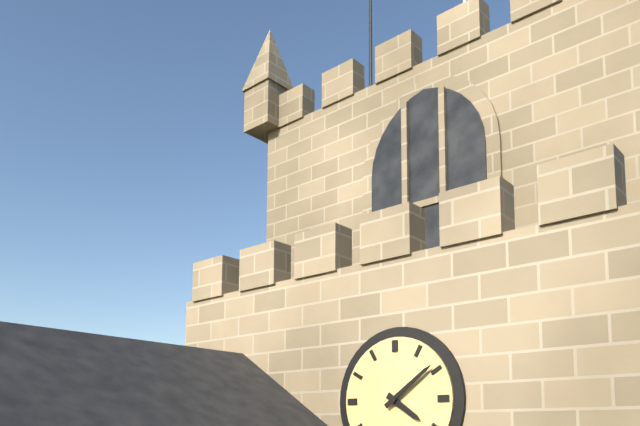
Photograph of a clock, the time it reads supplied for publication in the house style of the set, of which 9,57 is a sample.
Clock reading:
4,09
